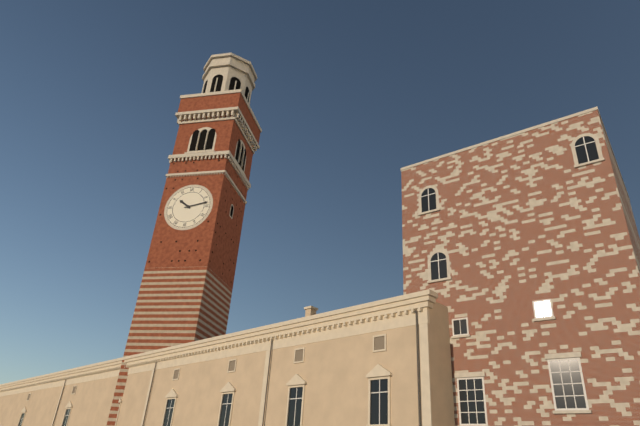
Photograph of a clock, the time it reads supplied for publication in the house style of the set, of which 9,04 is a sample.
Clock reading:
10,13
